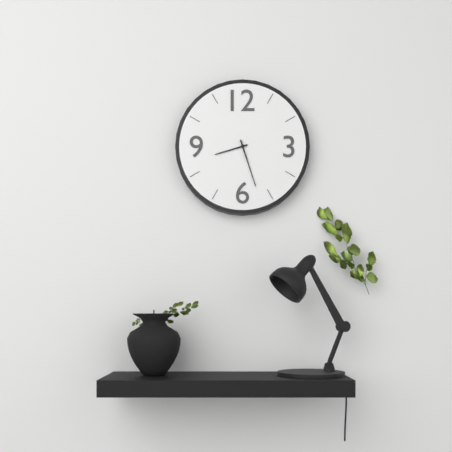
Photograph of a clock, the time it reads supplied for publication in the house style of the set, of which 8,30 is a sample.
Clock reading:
8,27
